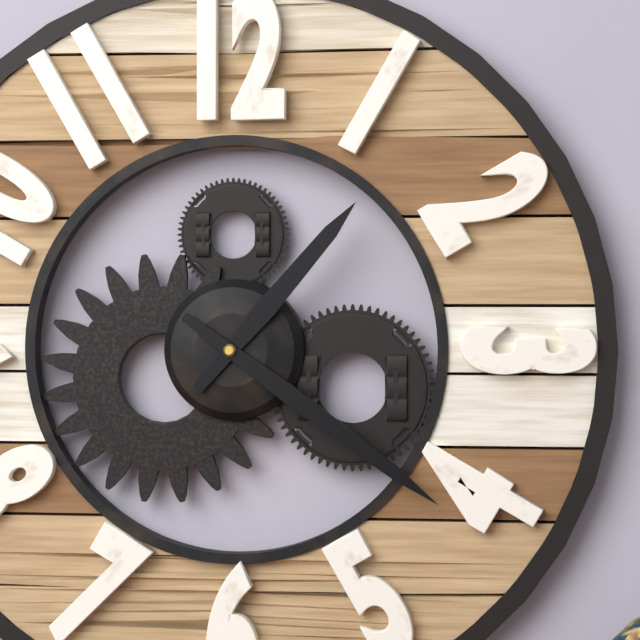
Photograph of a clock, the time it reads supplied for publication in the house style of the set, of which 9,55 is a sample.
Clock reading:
1,21
